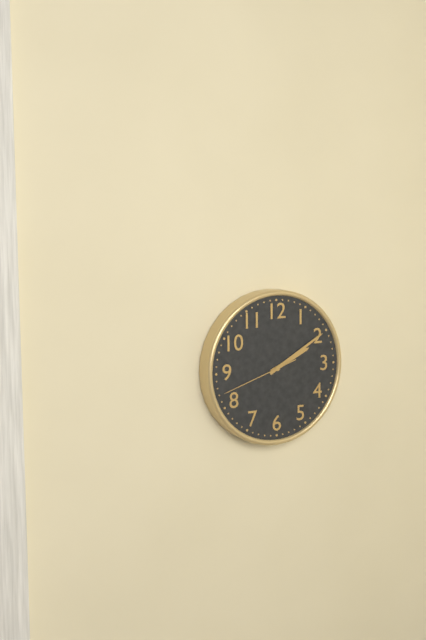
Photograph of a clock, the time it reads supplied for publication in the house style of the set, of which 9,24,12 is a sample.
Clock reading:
2,10,42
